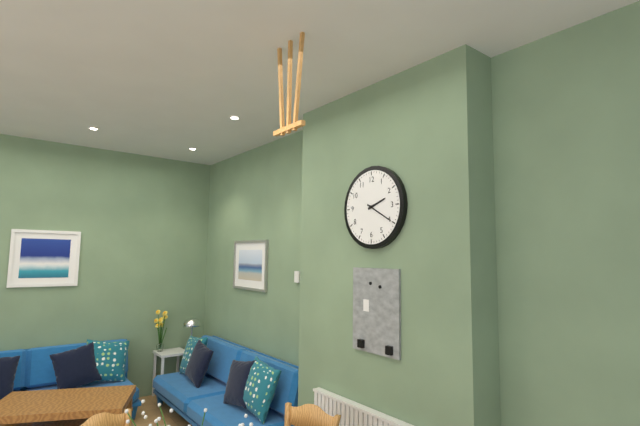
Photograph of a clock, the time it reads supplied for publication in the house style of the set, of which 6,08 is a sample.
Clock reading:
2,20
